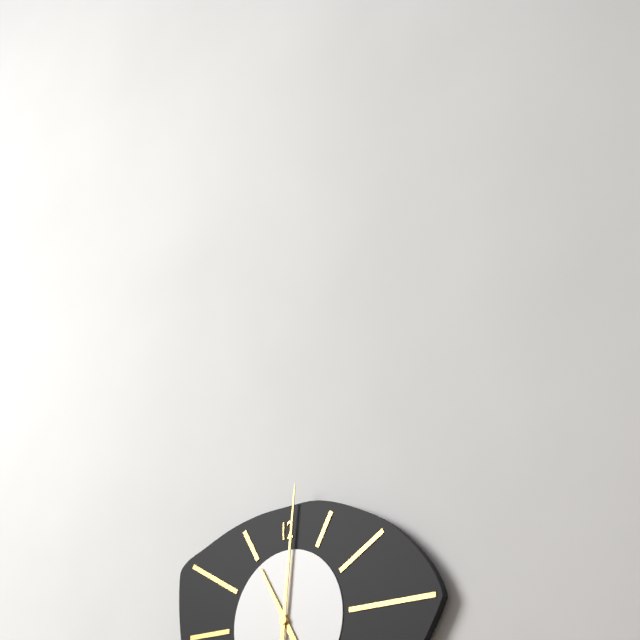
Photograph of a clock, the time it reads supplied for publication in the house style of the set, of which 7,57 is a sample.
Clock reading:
11,01
